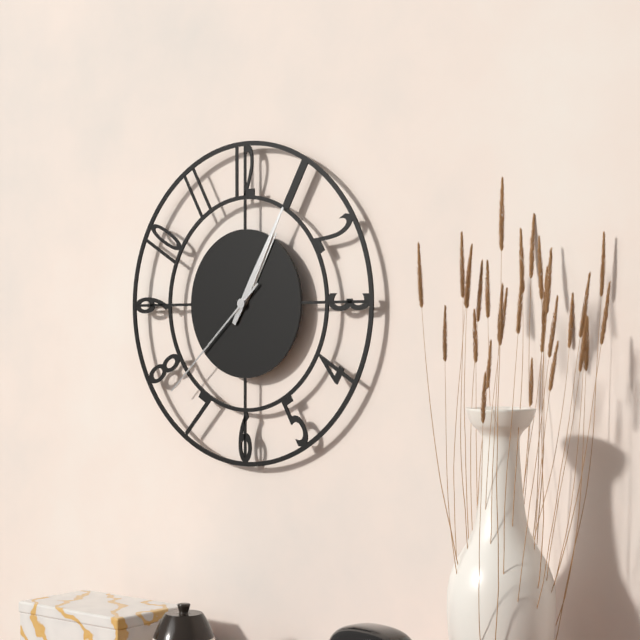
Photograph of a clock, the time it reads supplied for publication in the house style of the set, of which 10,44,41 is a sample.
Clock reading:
1,05,38
